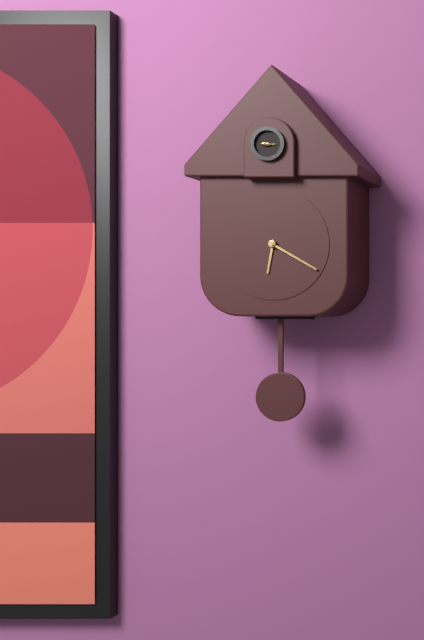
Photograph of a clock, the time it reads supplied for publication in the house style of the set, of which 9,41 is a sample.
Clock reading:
6,20
